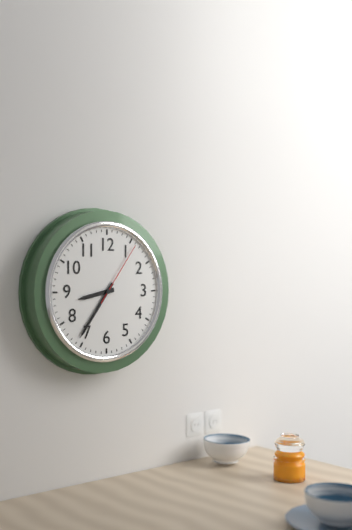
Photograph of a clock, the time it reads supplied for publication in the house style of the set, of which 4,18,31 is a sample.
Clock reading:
8,36,06
